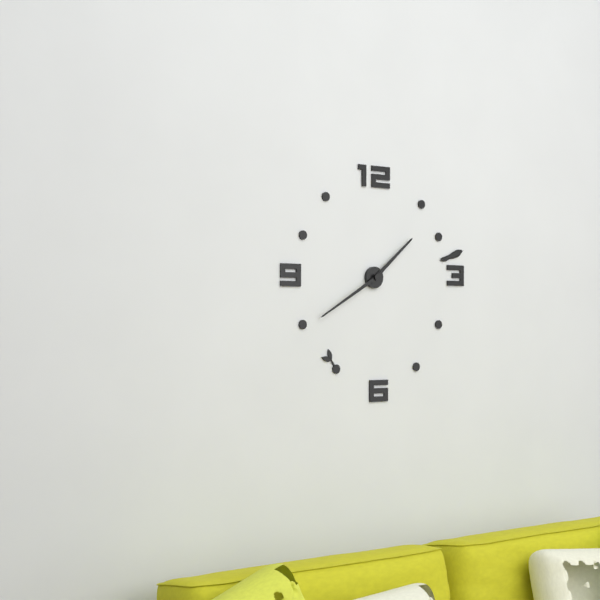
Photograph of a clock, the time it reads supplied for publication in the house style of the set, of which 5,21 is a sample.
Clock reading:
1,40
